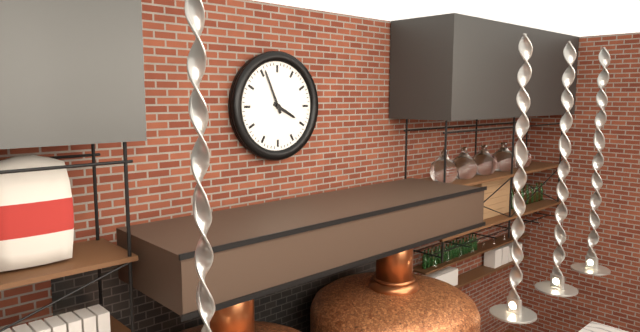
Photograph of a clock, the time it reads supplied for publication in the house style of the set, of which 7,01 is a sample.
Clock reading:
3,56
